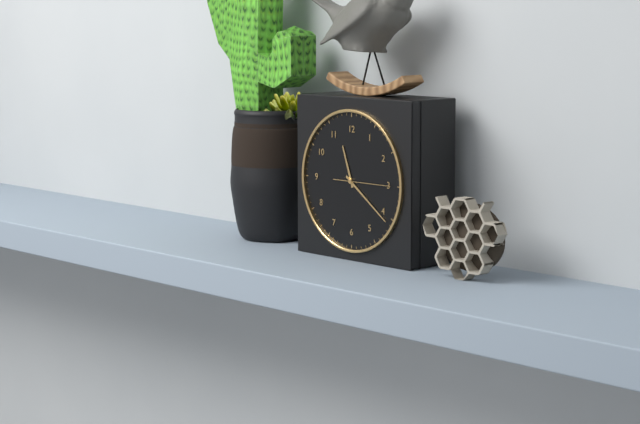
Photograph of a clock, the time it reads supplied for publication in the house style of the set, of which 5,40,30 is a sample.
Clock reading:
11,21,15
